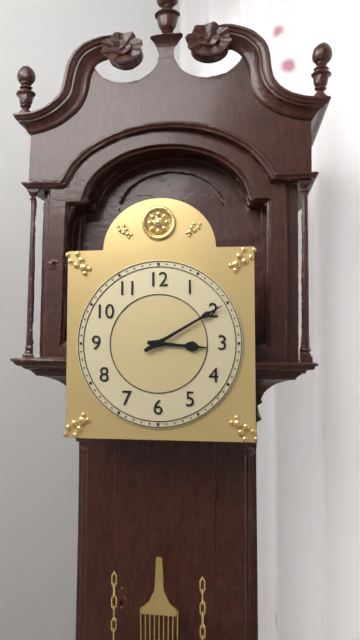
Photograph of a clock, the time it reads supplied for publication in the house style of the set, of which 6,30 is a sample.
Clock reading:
3,10
